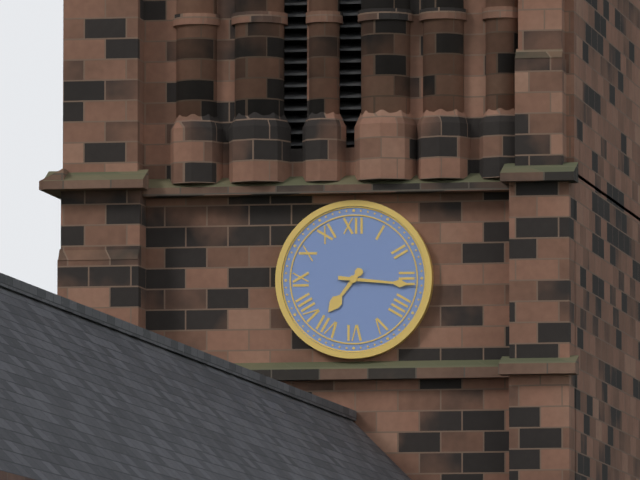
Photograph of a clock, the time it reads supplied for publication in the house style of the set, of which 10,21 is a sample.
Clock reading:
7,16
